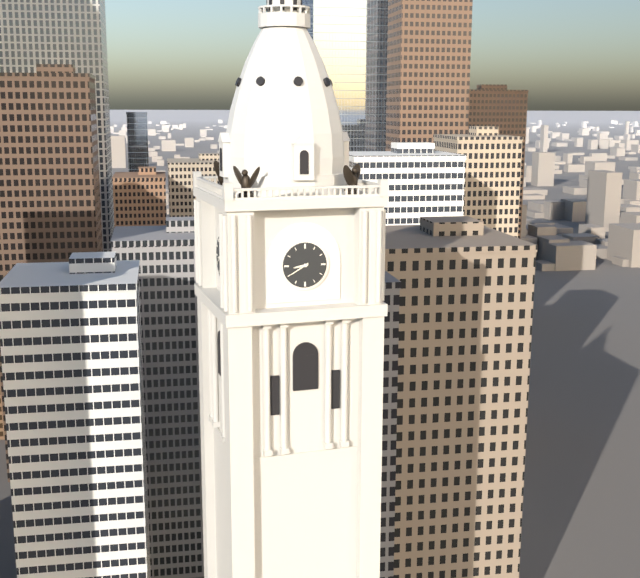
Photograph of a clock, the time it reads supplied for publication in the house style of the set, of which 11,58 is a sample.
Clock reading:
8,40
